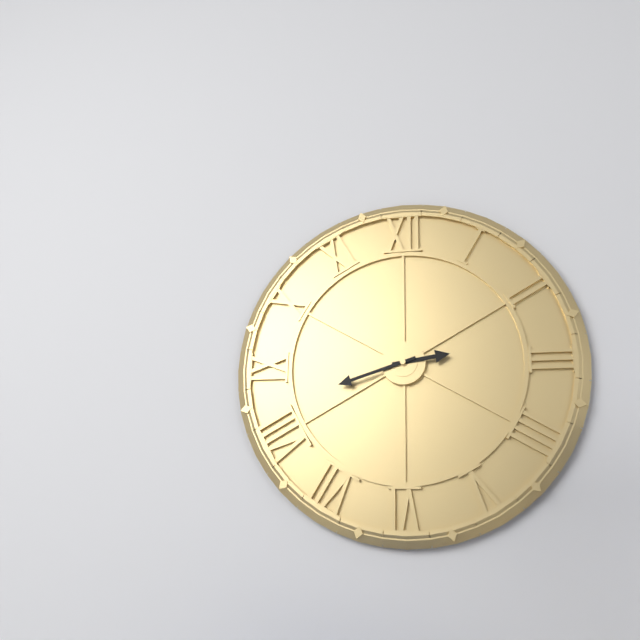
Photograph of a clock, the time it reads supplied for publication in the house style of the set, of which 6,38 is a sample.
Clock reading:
2,42
